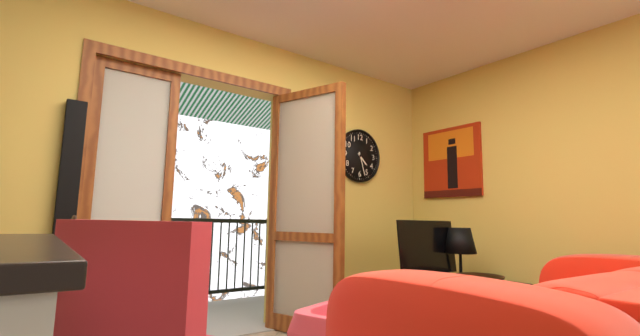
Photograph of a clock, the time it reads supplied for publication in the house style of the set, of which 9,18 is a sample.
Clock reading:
4,27
